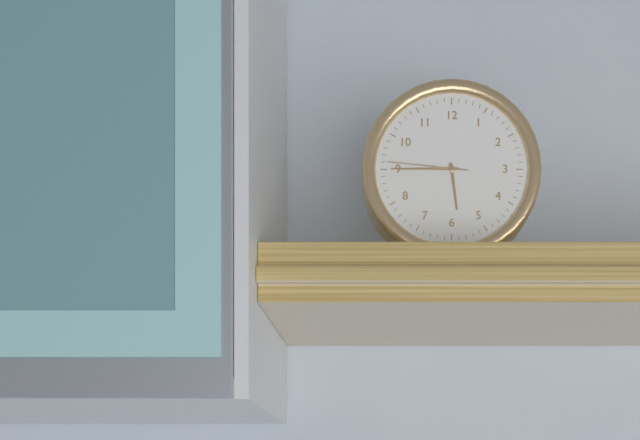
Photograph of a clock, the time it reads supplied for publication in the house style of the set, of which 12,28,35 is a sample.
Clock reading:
5,45,46
